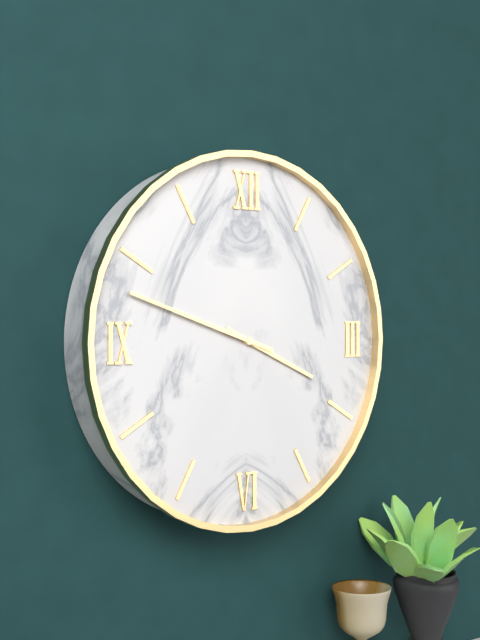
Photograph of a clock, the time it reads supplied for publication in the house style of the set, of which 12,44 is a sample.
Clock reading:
3,48
